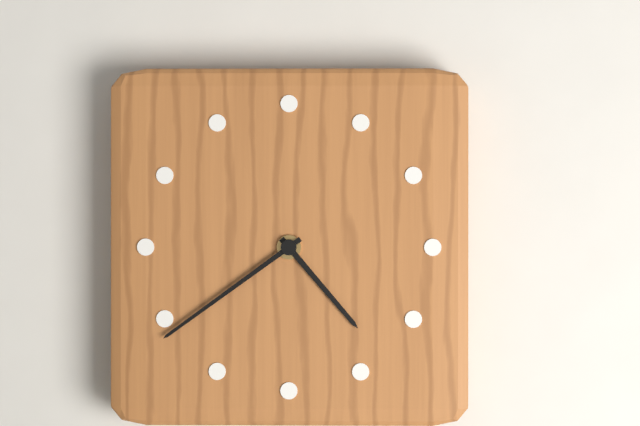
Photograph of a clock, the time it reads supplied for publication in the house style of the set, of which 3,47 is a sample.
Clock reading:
4,39
